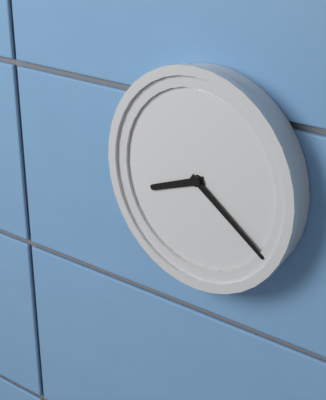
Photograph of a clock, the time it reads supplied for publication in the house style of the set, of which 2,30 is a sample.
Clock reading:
8,21
